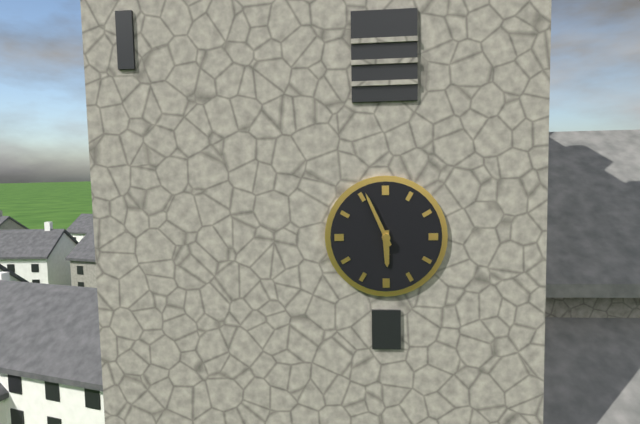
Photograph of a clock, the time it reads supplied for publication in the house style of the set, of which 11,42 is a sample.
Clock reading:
5,56
